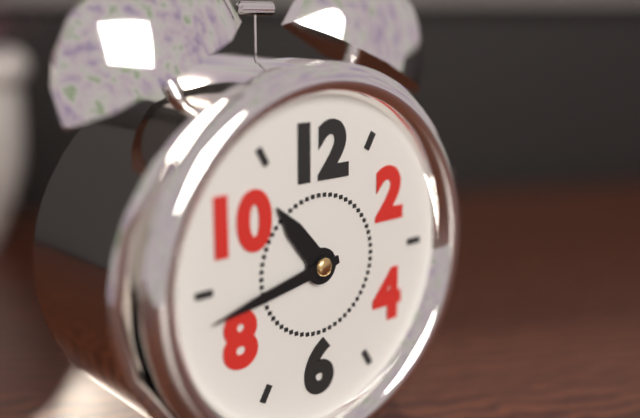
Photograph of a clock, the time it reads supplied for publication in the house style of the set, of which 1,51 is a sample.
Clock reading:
10,43
